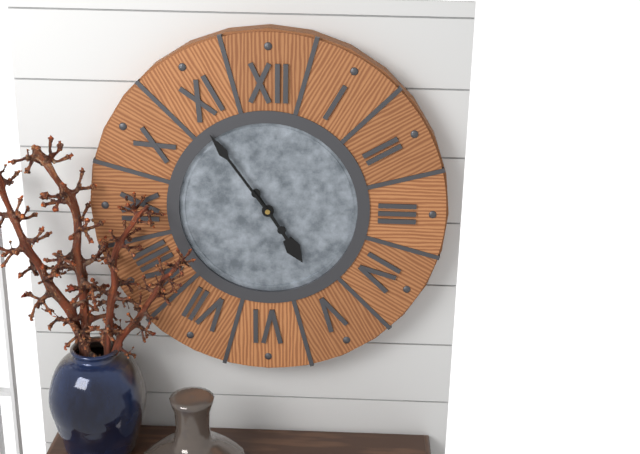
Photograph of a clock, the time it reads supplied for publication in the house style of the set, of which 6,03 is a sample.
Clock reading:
4,54
